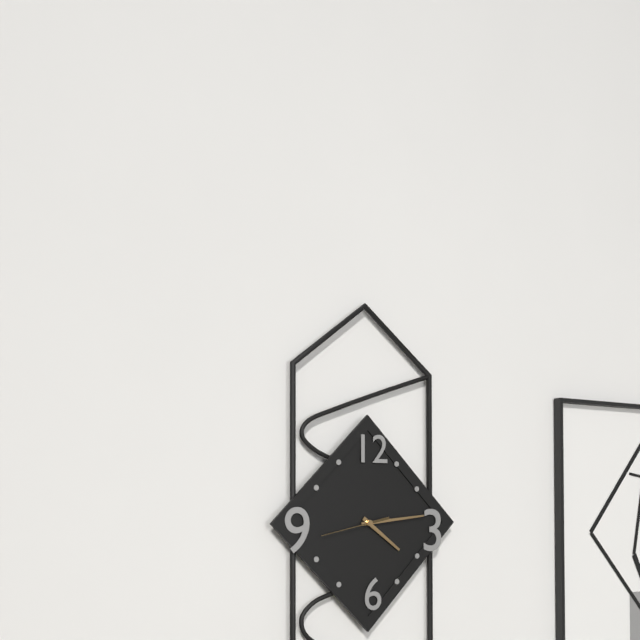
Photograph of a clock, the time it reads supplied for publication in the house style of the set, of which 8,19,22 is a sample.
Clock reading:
4,14,43
